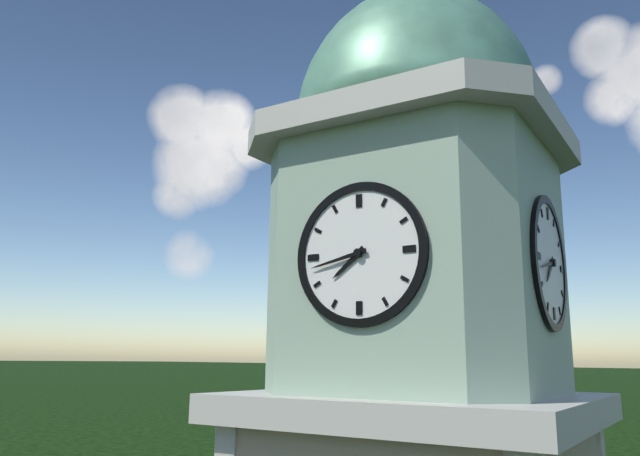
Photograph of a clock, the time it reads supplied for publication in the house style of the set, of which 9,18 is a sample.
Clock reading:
7,43
